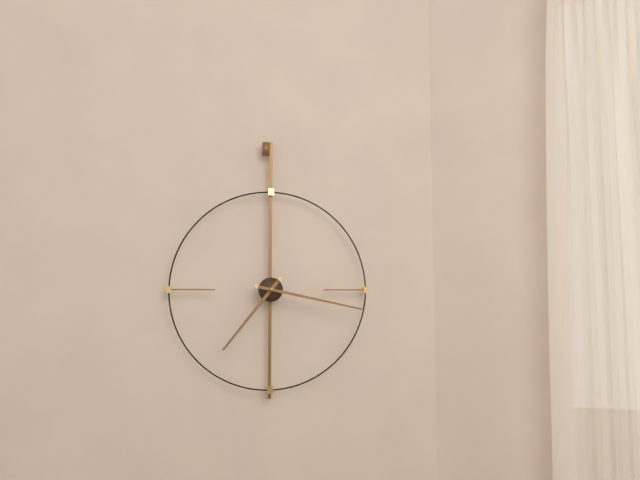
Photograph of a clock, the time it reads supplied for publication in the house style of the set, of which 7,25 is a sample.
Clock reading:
7,17
